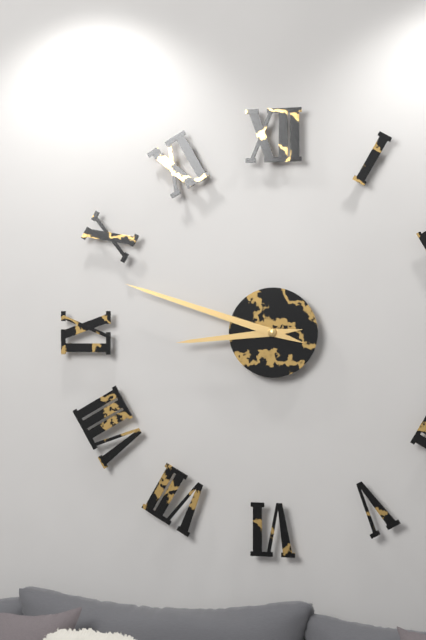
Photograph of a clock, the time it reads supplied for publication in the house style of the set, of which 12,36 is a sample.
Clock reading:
8,48
